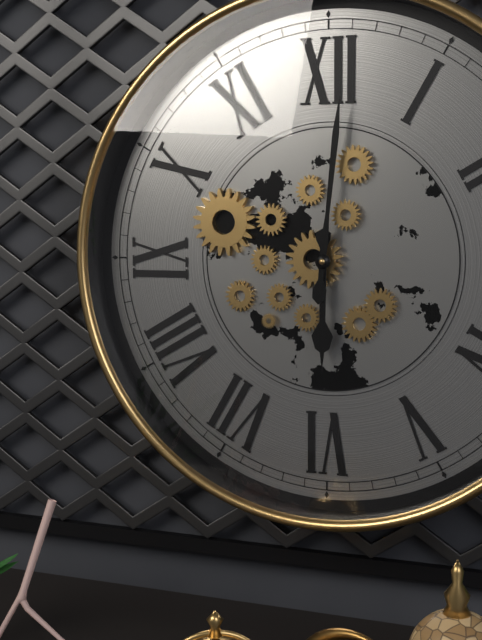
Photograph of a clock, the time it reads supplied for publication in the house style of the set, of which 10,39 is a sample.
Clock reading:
6,01
